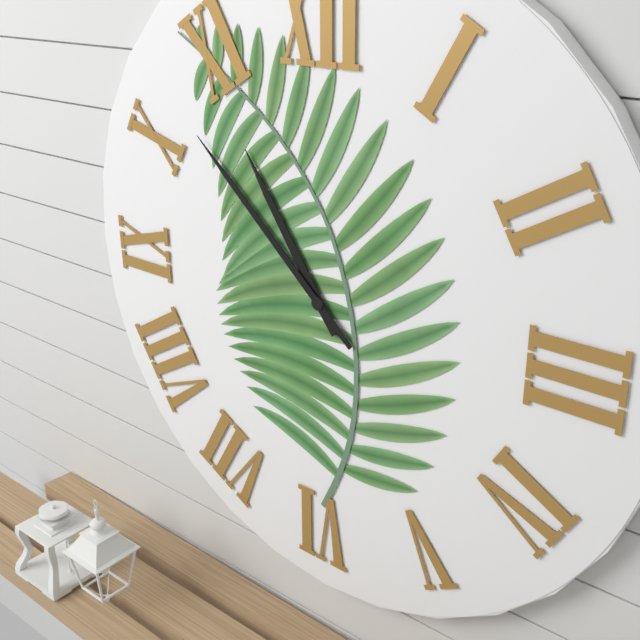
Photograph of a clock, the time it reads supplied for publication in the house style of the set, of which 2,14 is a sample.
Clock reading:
10,52
